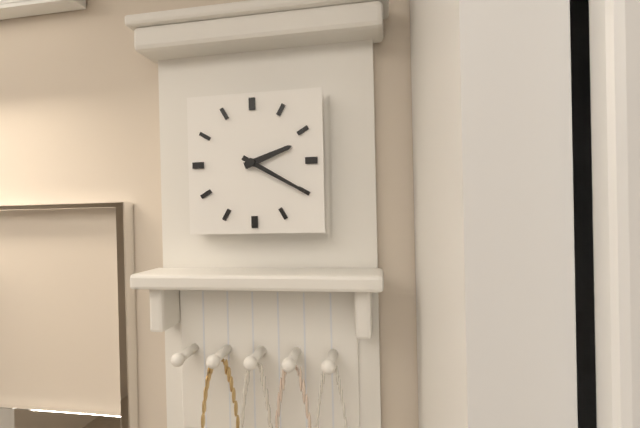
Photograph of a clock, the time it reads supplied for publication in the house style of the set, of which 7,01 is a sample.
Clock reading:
2,20
